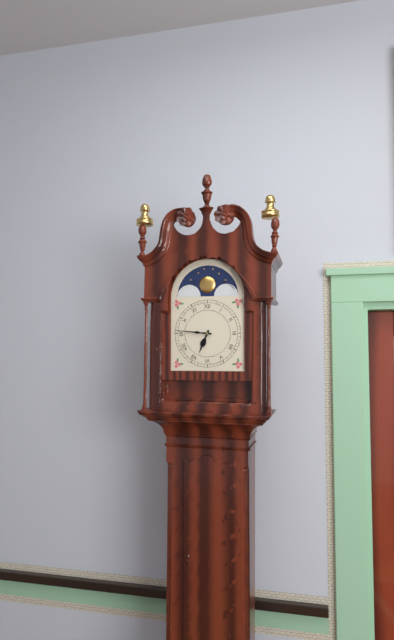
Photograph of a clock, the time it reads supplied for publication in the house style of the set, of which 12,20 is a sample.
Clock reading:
6,46
